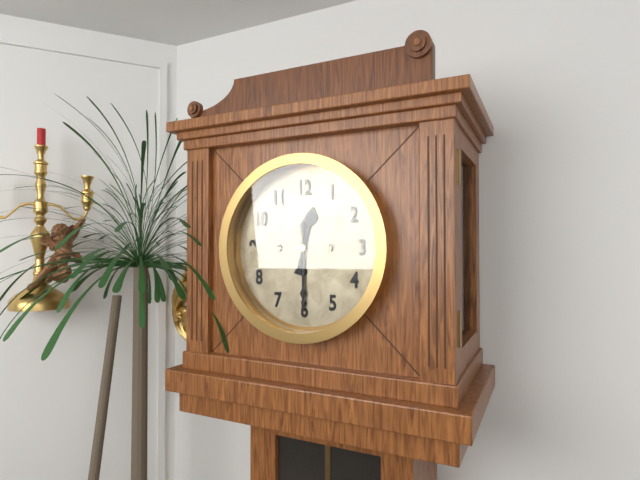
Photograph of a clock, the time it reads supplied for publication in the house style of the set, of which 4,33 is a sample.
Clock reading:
12,30
